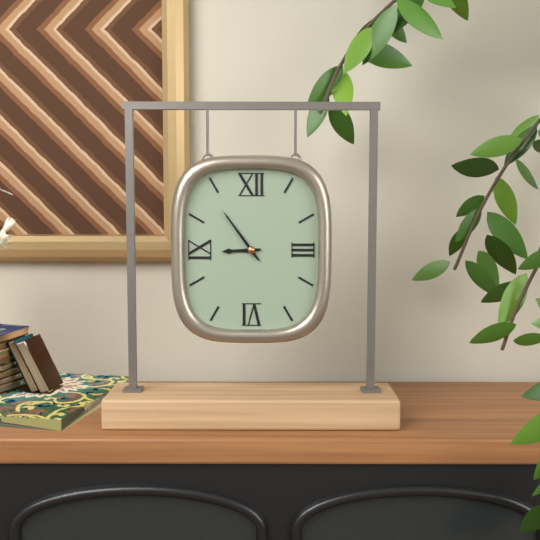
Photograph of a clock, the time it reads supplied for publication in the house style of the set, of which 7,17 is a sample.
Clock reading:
8,54
